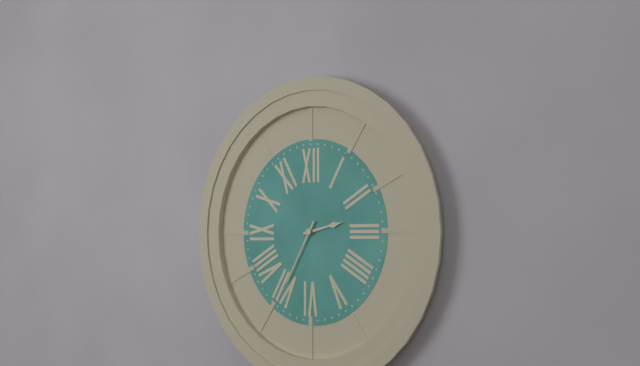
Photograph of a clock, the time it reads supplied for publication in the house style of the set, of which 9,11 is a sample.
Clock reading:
2,35
